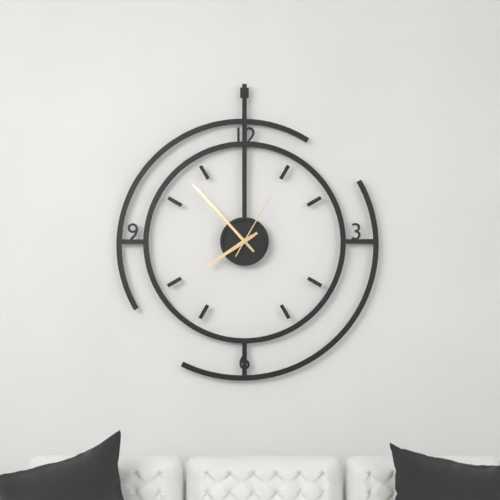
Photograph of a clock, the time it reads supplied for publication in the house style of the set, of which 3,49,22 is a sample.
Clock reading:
7,53,05
